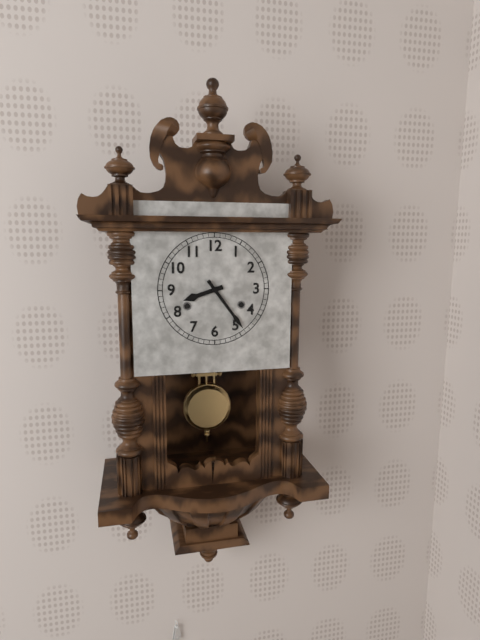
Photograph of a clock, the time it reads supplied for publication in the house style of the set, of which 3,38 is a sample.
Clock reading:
8,24
